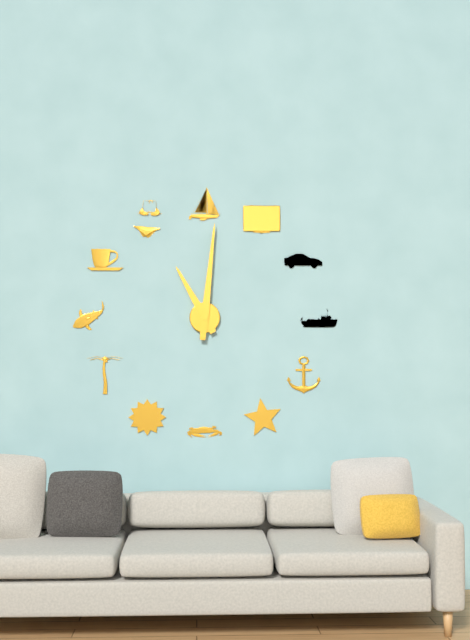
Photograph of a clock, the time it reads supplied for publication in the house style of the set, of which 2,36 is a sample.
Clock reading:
11,01
